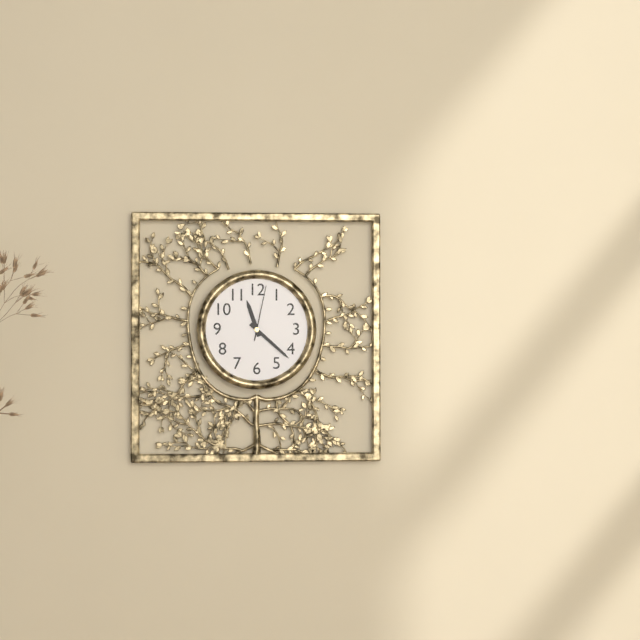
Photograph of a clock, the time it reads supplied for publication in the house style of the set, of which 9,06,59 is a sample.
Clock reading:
11,22,02
